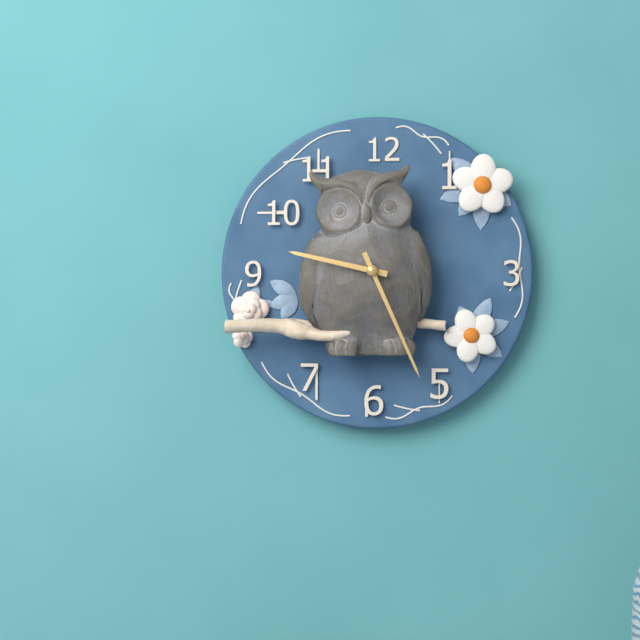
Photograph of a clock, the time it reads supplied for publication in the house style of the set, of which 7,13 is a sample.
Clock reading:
9,26
